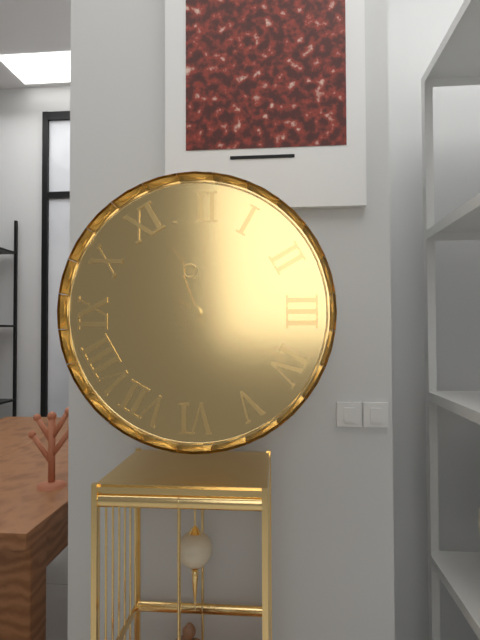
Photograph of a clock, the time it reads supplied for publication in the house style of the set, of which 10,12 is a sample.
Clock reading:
11,20
